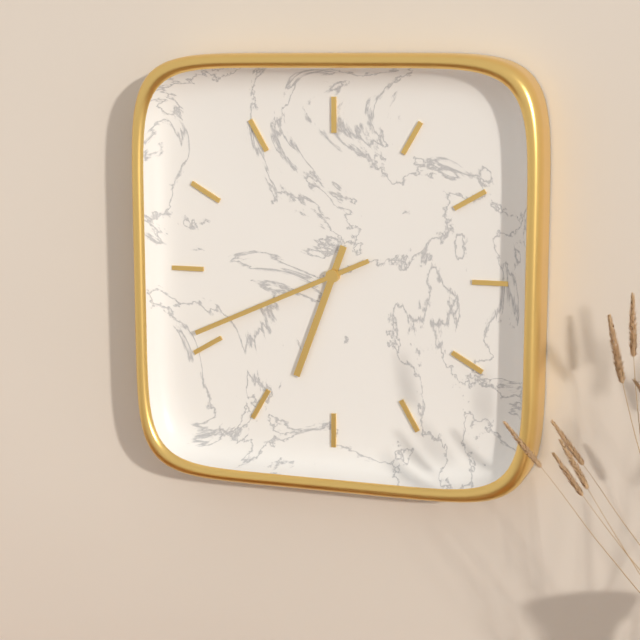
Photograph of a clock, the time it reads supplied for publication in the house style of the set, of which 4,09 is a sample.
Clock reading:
6,41
